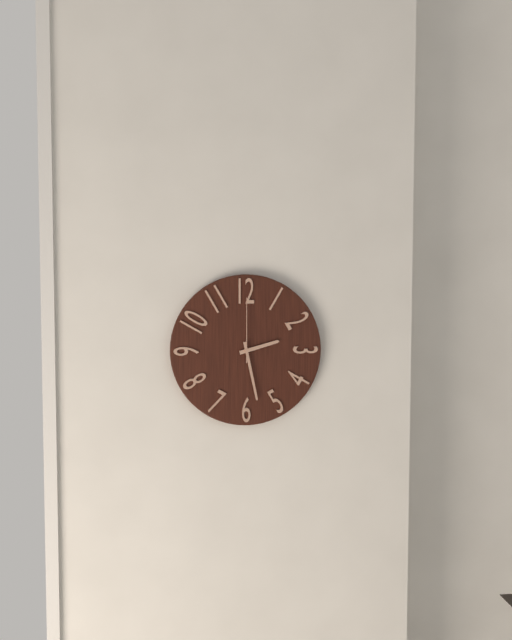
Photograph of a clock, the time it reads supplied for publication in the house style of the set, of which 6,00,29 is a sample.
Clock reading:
2,28,00
